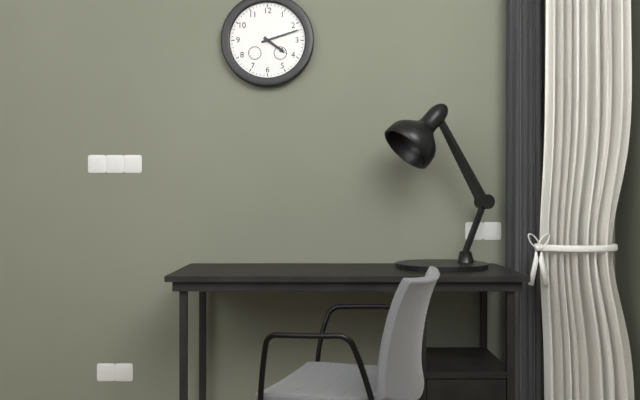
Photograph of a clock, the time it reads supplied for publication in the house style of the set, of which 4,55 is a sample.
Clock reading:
4,12
